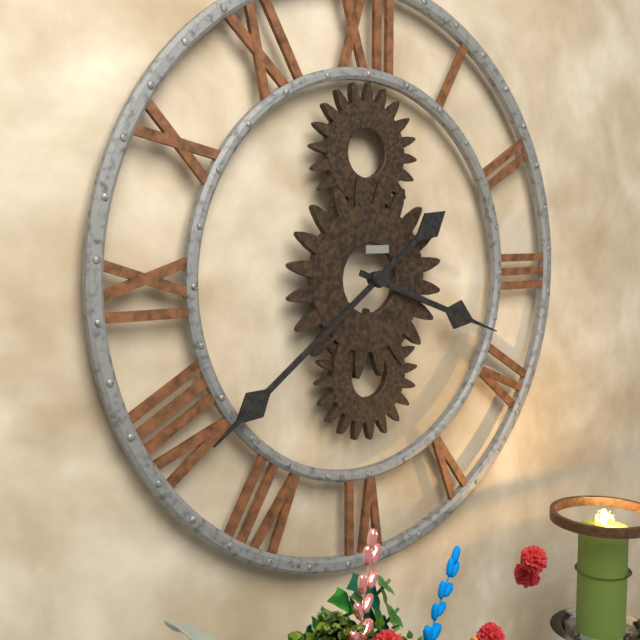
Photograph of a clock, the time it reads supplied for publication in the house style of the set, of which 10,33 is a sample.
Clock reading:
3,39
